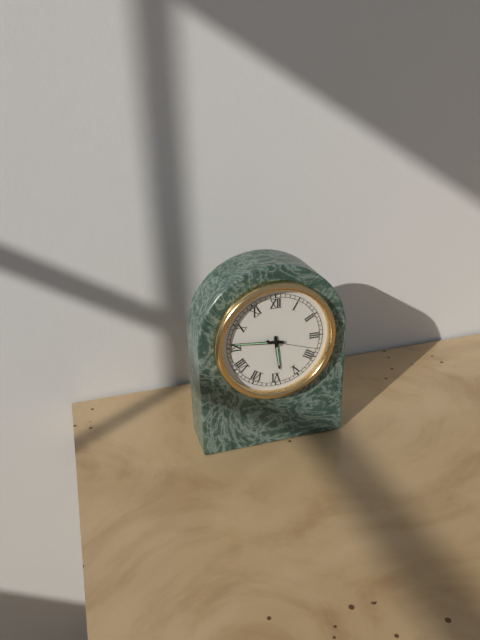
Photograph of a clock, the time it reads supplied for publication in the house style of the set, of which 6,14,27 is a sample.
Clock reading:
5,46,18
